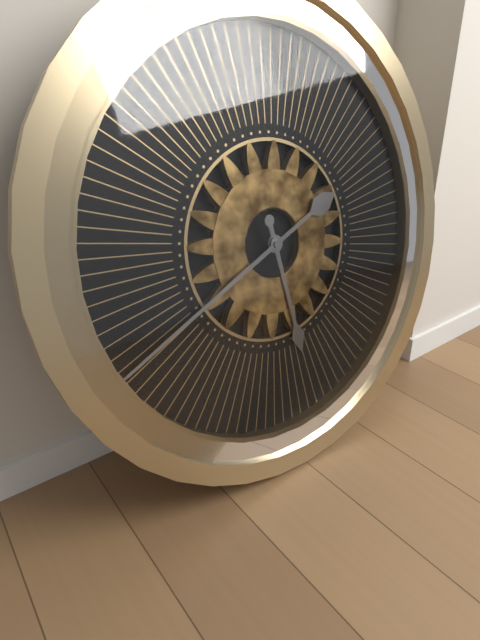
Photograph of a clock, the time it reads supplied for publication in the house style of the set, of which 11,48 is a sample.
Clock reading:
5,41
